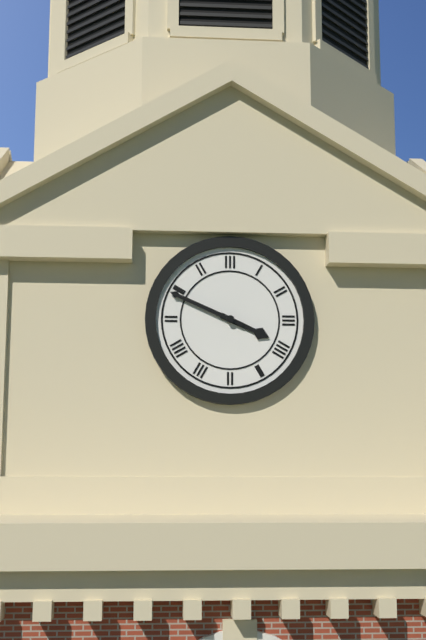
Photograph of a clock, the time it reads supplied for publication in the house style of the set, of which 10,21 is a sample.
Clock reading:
3,49
